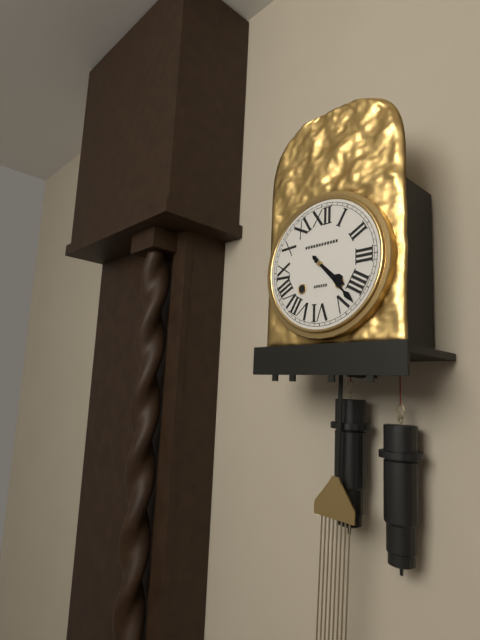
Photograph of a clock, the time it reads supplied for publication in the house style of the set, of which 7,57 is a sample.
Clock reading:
4,23
